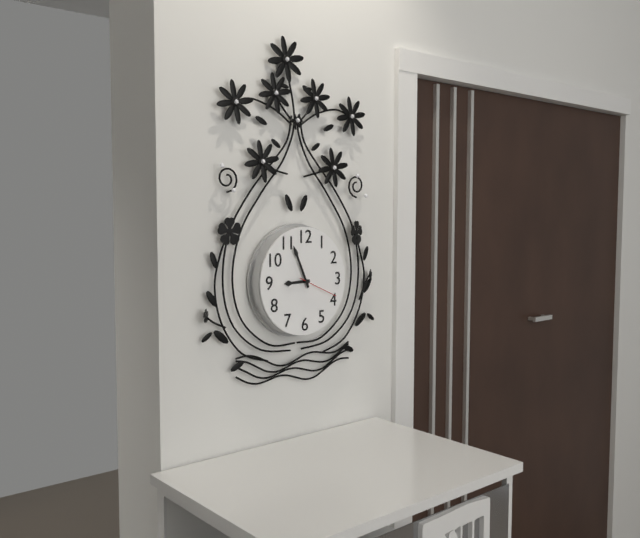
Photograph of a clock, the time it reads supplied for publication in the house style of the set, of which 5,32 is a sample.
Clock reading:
8,56
